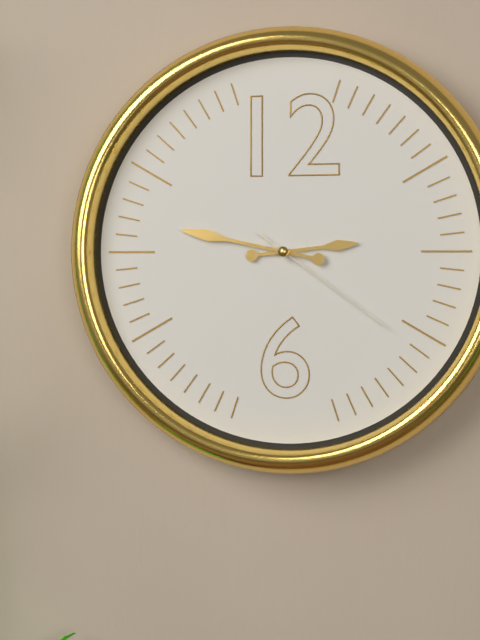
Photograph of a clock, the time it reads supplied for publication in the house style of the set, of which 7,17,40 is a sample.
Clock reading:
2,47,21
